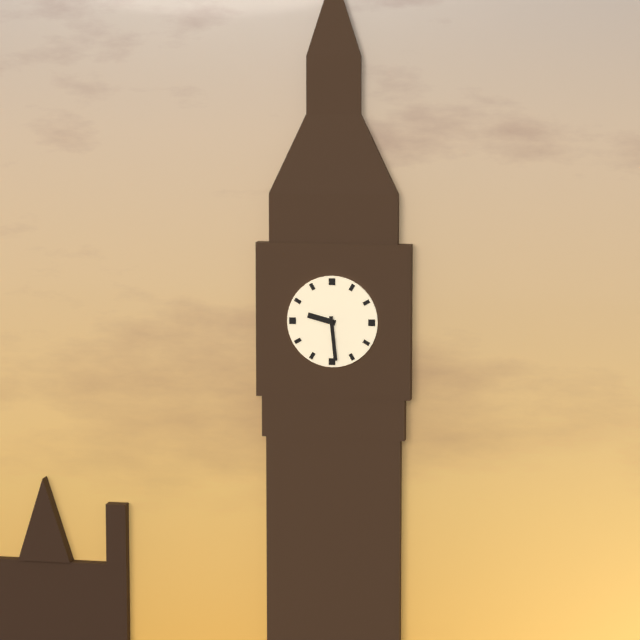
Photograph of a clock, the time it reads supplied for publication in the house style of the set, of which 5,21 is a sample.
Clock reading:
9,29
